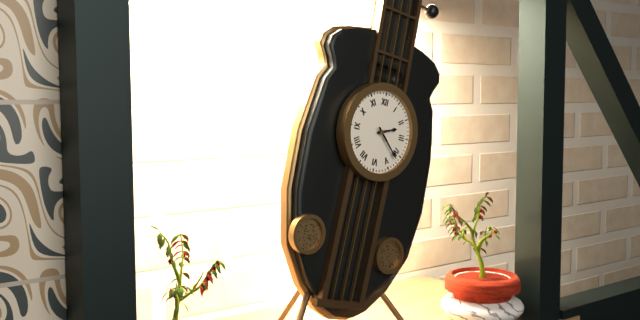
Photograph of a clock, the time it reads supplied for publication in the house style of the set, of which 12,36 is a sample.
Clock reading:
2,22
